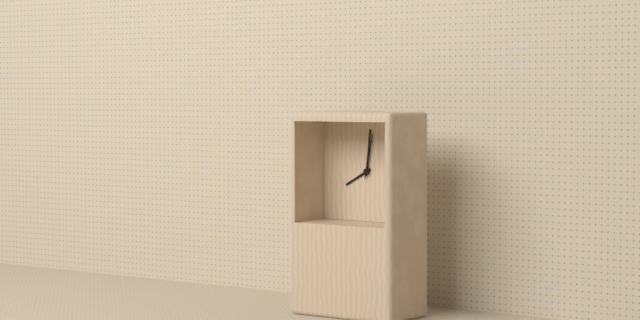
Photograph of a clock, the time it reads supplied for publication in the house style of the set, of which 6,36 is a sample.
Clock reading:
8,01
